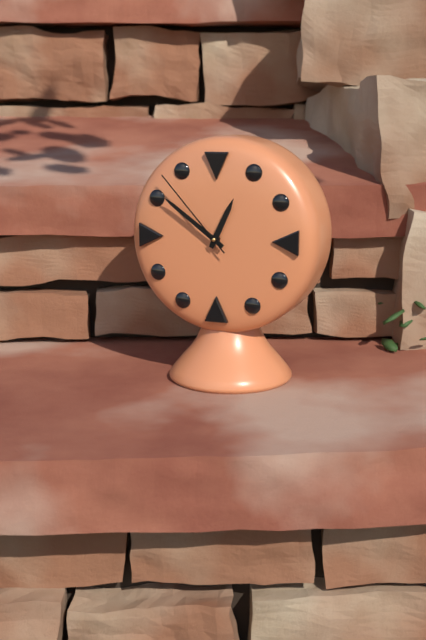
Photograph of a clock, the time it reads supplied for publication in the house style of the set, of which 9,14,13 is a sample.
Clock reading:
12,51,53
